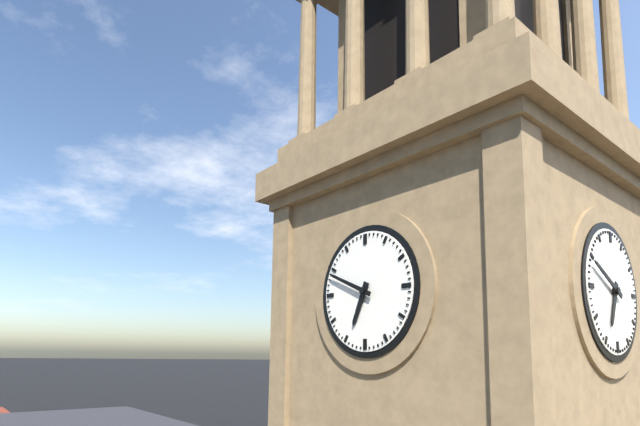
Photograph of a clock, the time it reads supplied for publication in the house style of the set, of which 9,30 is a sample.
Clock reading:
6,49
